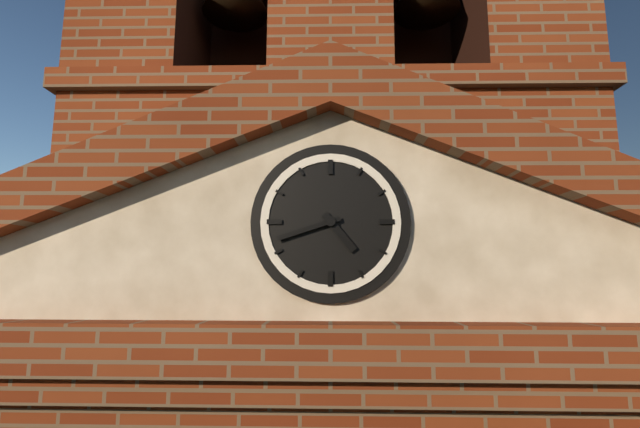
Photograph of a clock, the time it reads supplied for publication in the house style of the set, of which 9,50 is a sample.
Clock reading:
4,42
